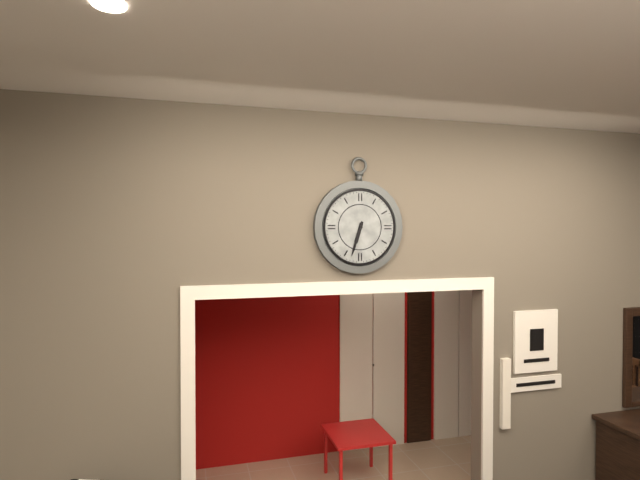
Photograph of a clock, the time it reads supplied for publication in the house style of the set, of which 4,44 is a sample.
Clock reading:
6,33
